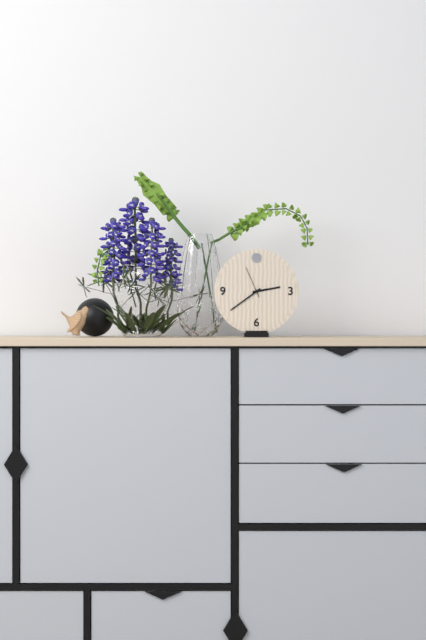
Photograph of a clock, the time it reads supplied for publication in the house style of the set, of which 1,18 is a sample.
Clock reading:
2,39
